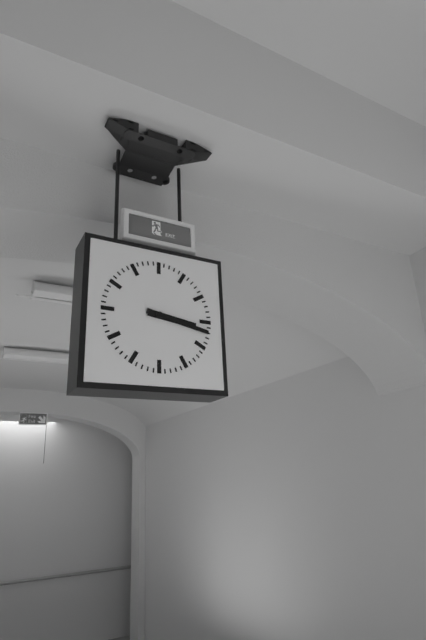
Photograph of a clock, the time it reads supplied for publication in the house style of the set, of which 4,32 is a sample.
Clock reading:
3,17
